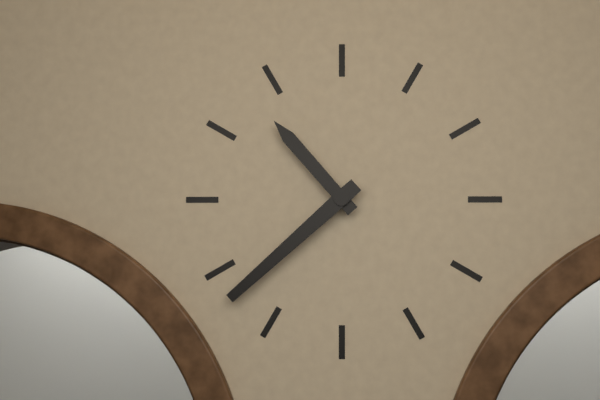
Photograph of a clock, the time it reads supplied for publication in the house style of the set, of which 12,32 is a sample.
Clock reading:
10,38
